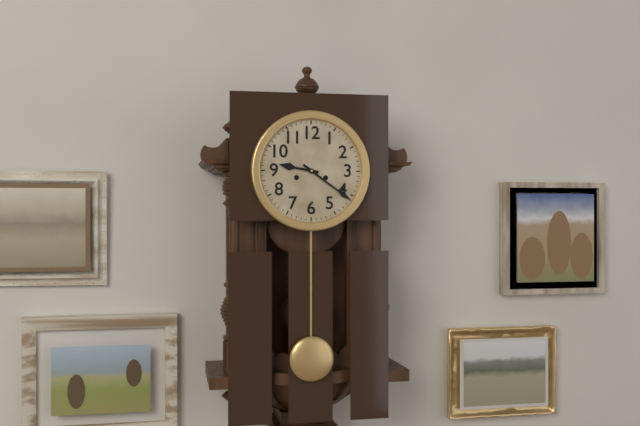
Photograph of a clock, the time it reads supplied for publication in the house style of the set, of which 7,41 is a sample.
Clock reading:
9,21
